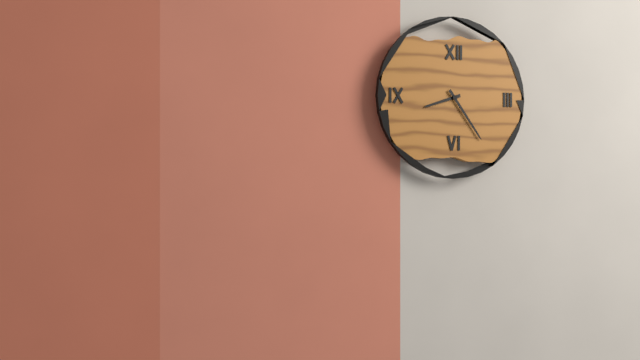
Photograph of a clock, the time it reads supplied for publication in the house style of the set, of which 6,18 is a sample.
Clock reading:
8,24
